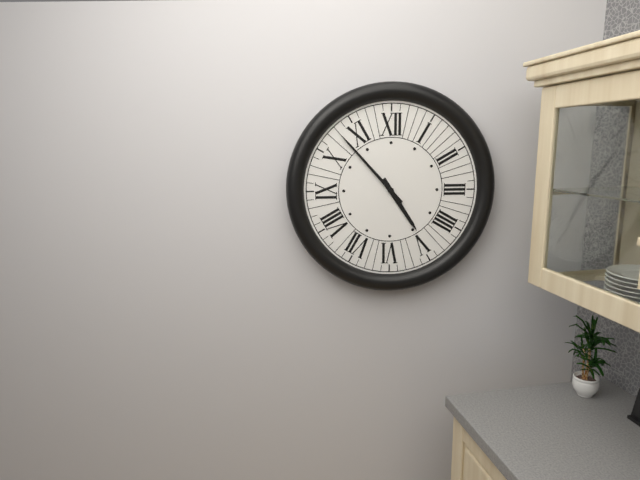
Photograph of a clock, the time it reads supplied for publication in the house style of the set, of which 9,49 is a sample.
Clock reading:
4,53
